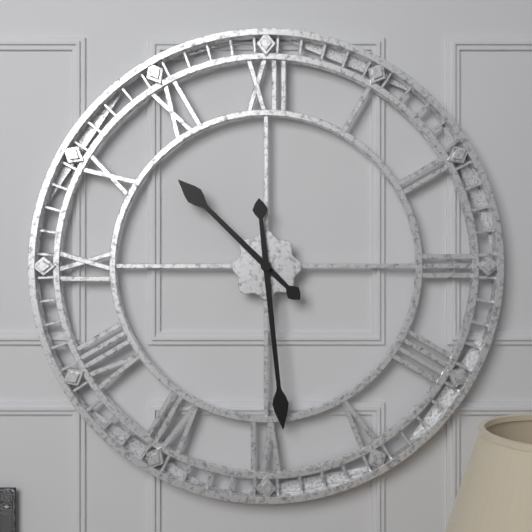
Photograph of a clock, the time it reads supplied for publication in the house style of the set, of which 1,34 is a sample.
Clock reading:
10,29
